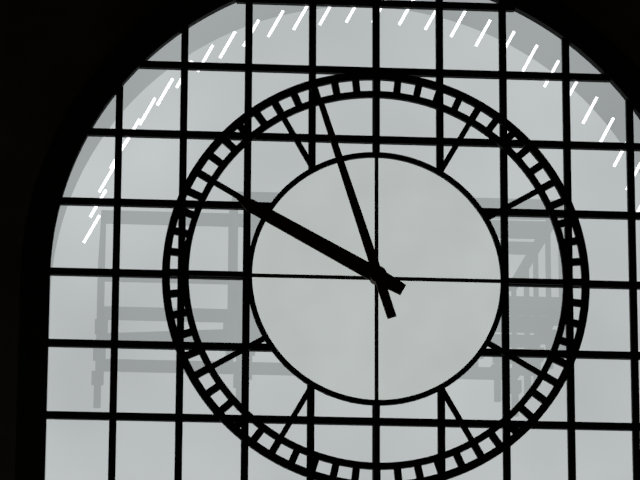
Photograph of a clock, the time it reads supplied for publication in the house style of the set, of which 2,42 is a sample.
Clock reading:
9,57
